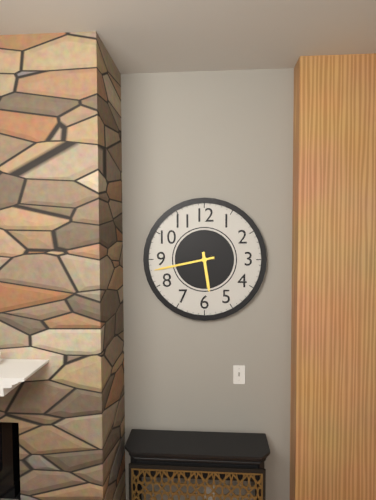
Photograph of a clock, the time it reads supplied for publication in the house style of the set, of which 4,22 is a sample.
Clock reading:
5,43
